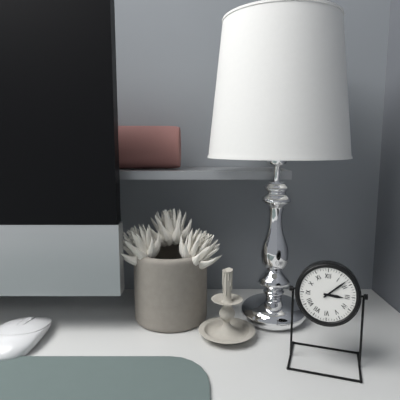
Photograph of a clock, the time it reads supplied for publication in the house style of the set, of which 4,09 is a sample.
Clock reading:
3,08
